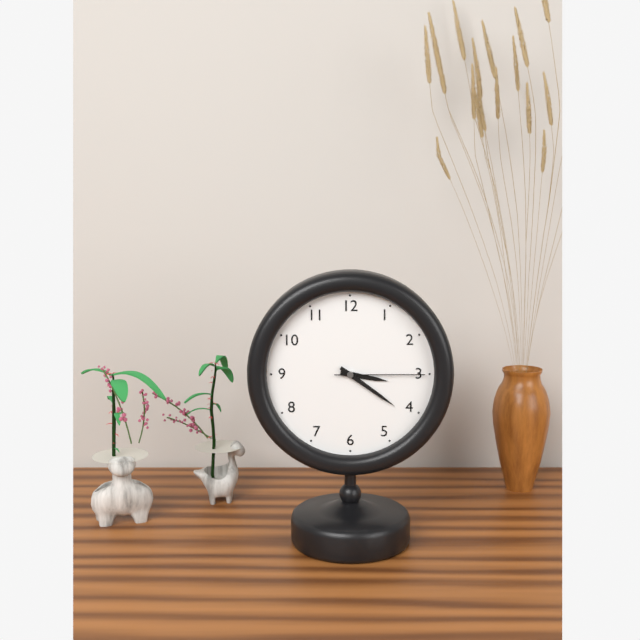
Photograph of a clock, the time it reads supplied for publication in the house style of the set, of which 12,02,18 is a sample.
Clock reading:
3,21,15
